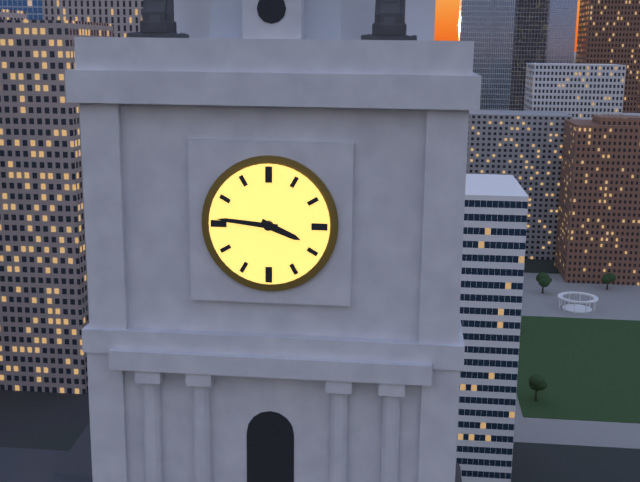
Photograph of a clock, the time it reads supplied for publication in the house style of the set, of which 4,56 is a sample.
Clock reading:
3,46
